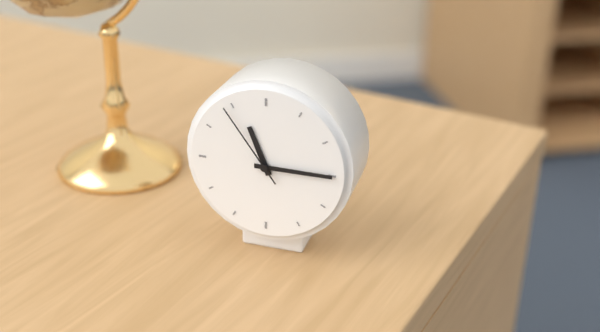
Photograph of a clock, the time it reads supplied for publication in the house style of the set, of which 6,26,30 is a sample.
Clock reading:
11,15,54
